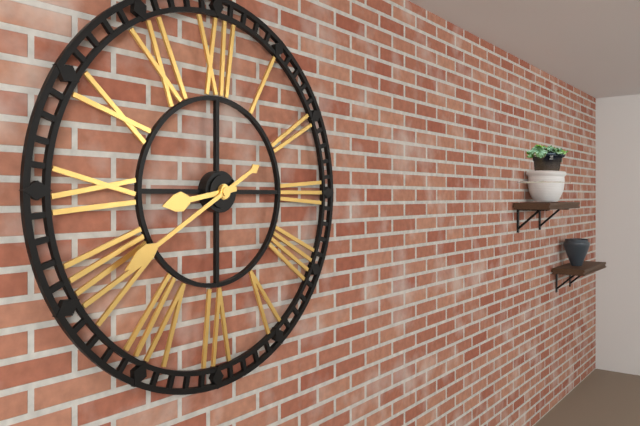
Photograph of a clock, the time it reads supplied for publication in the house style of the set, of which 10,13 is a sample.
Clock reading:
8,40
